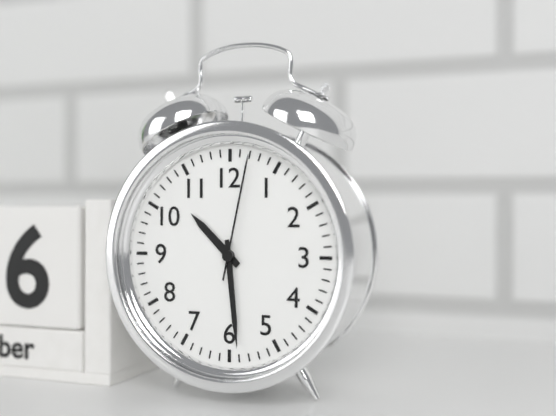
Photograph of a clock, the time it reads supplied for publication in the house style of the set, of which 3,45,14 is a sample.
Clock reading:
10,29,02
